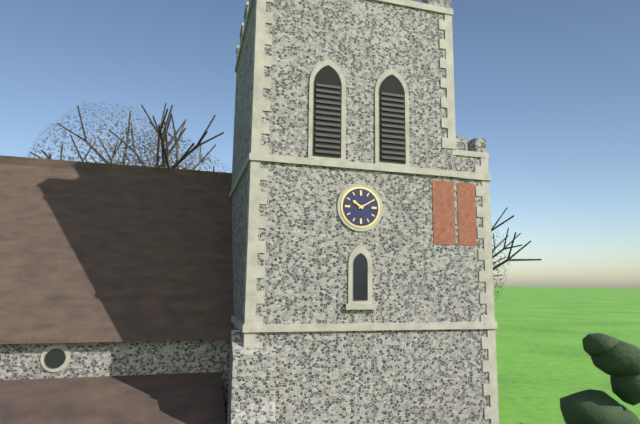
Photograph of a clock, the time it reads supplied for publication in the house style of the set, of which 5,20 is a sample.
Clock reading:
10,10
